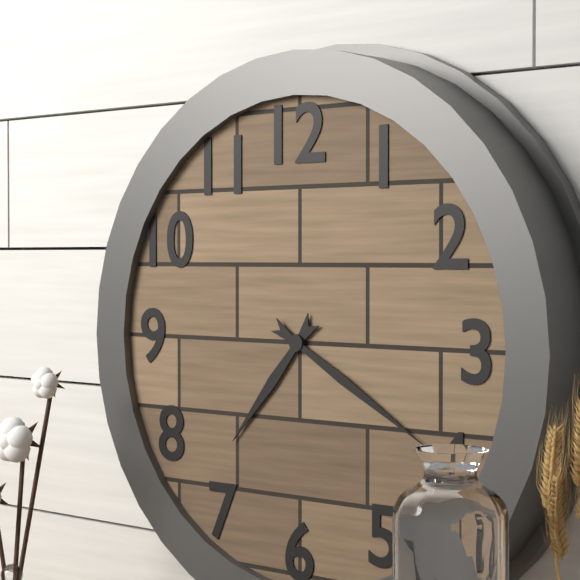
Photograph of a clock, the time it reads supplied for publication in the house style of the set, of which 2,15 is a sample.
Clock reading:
7,20
